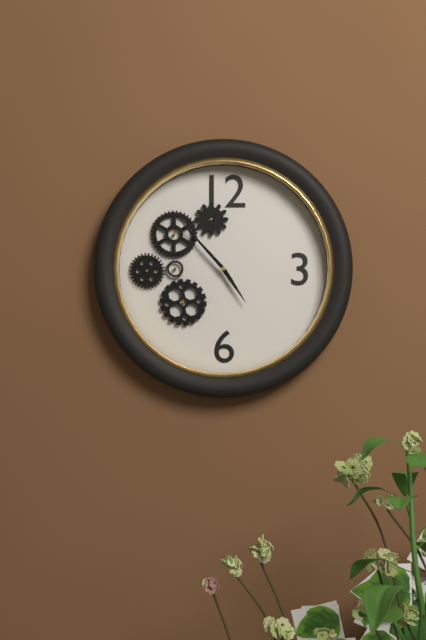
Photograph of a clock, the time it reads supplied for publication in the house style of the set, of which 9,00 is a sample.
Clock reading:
4,53
